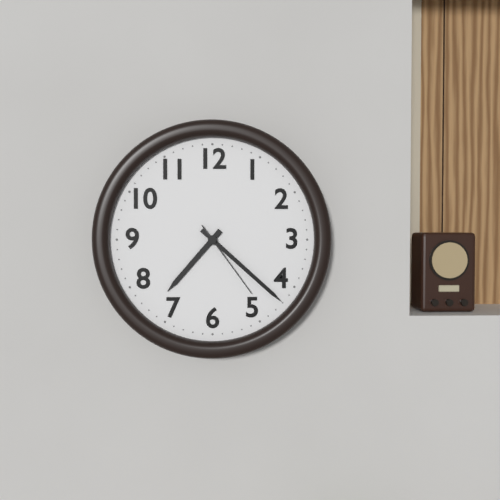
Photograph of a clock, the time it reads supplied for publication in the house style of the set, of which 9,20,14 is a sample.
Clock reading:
7,22,24
